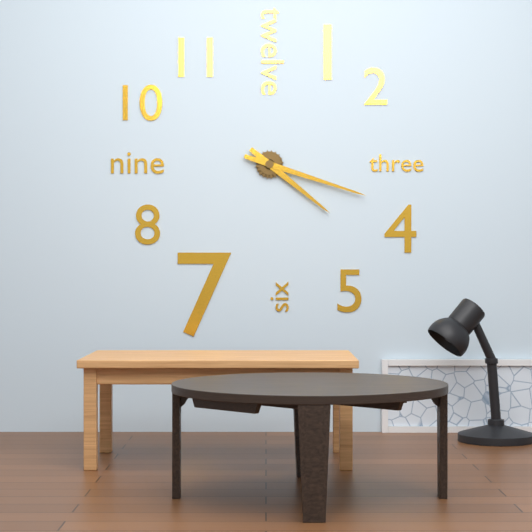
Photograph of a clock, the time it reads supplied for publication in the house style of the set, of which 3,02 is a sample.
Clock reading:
4,18
